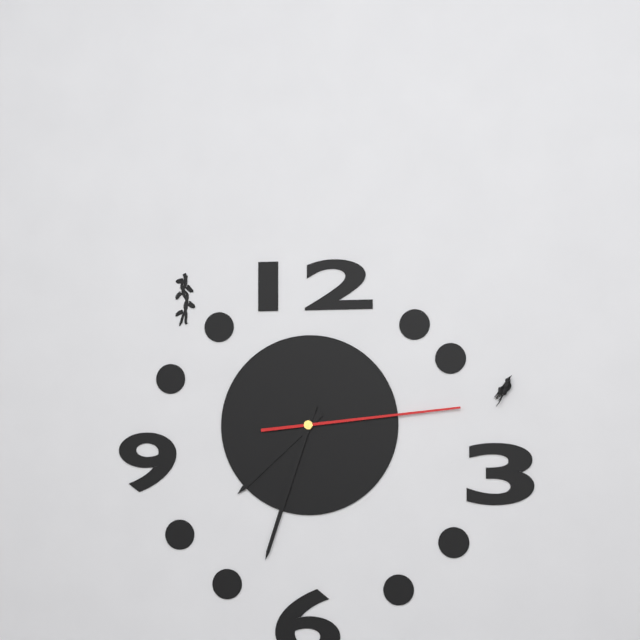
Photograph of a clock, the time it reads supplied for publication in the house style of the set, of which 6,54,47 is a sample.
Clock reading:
7,33,14
